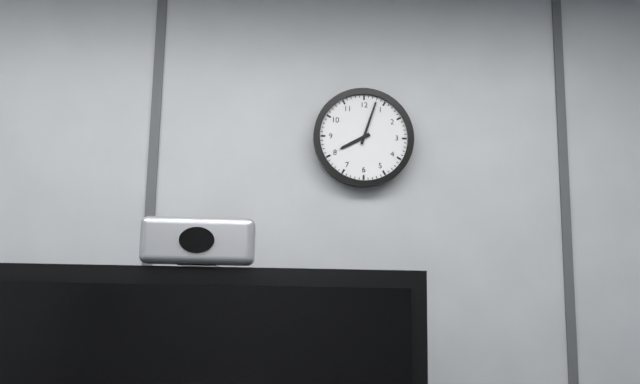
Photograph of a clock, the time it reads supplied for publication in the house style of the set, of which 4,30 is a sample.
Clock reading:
8,03
